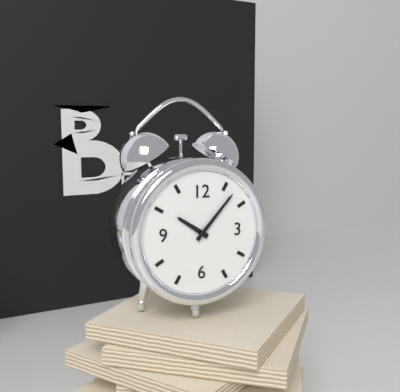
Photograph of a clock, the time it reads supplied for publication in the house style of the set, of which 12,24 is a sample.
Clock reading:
10,07
